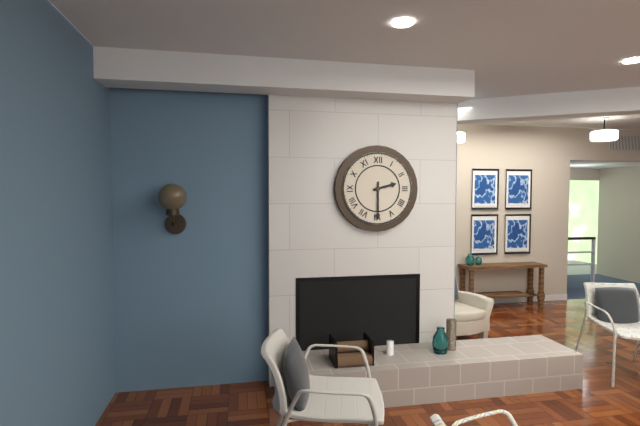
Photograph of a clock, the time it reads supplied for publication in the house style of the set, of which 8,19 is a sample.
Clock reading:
2,30
